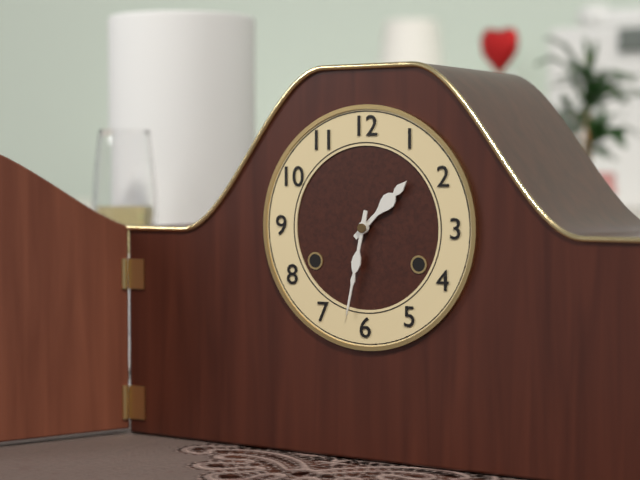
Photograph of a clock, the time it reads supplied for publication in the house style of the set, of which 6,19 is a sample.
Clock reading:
1,32
